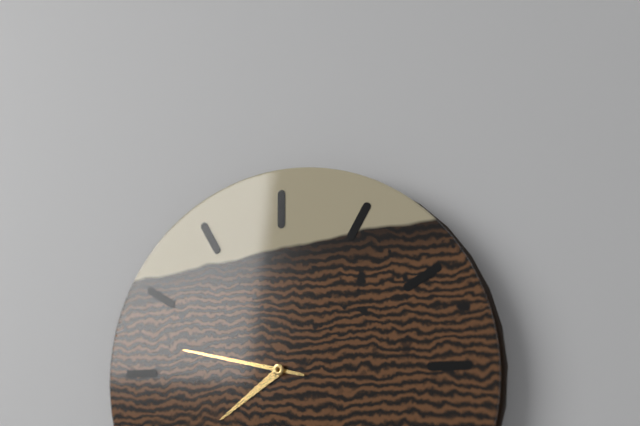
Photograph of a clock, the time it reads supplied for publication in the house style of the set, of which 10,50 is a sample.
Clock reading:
7,47
